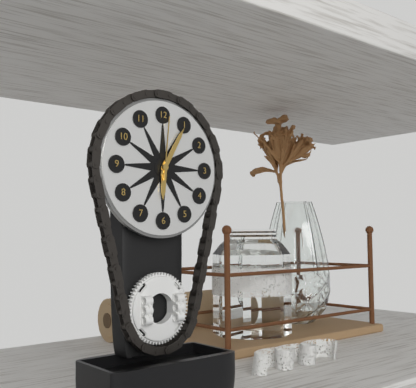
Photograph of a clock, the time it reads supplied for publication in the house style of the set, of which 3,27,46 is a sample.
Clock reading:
6,05,01
